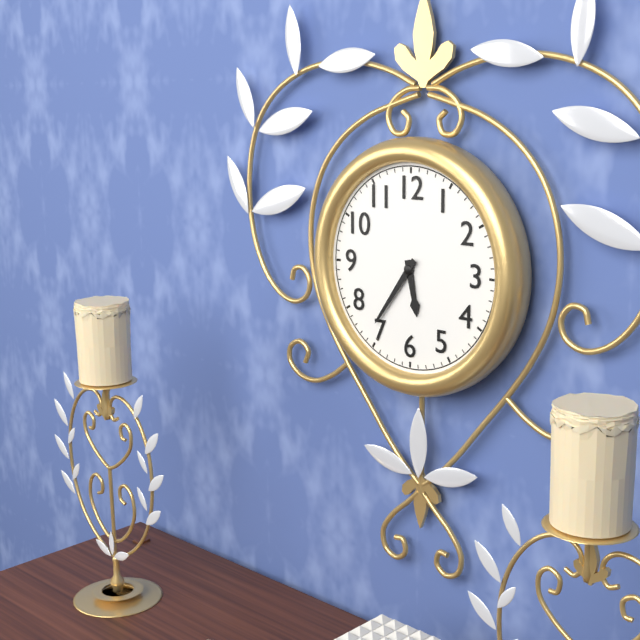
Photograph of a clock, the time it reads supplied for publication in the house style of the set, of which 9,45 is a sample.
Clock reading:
5,36
